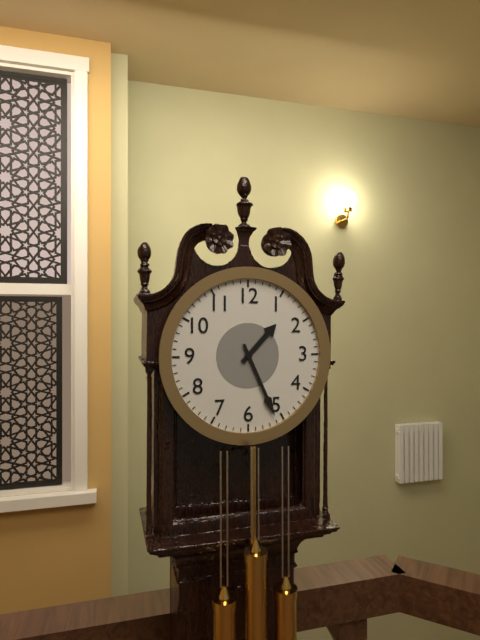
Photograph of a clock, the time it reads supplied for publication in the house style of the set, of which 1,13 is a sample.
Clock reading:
1,26
